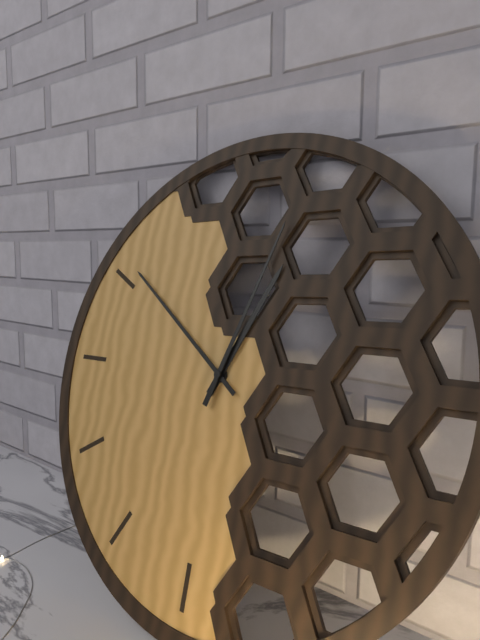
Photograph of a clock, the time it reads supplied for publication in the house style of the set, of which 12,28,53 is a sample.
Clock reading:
12,51,03
